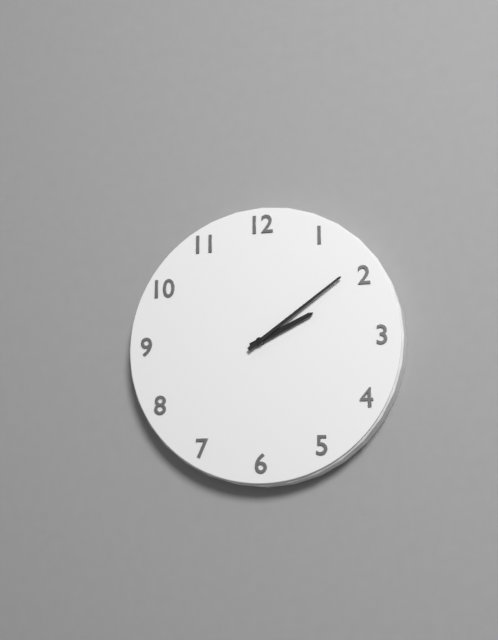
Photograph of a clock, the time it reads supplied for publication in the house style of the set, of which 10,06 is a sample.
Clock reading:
2,09
